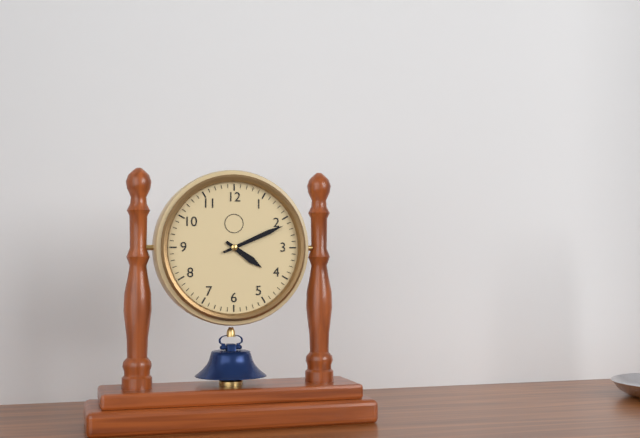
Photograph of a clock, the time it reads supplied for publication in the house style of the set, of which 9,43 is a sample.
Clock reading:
4,11
